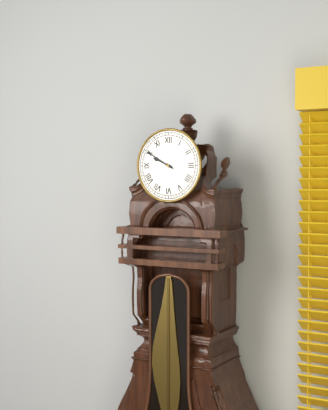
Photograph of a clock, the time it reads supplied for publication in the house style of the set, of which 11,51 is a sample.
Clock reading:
9,50
